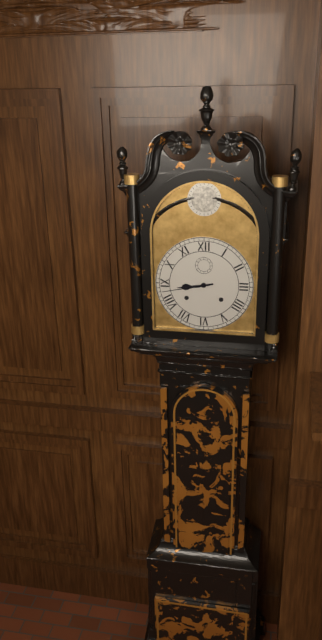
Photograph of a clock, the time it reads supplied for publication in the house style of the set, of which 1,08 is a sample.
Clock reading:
8,43
